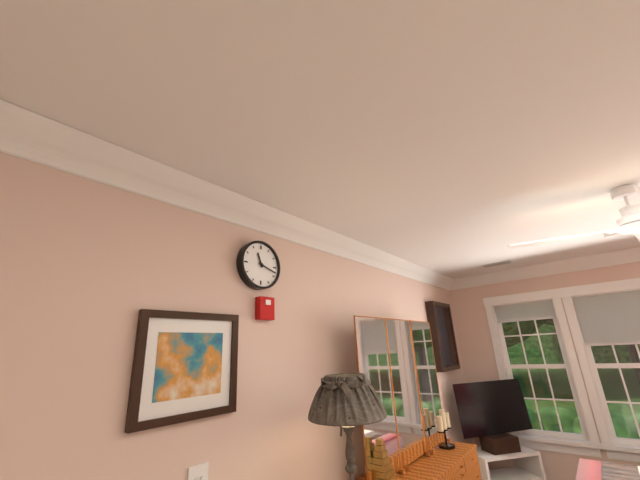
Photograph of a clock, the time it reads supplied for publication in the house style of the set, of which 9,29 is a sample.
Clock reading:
11,18
